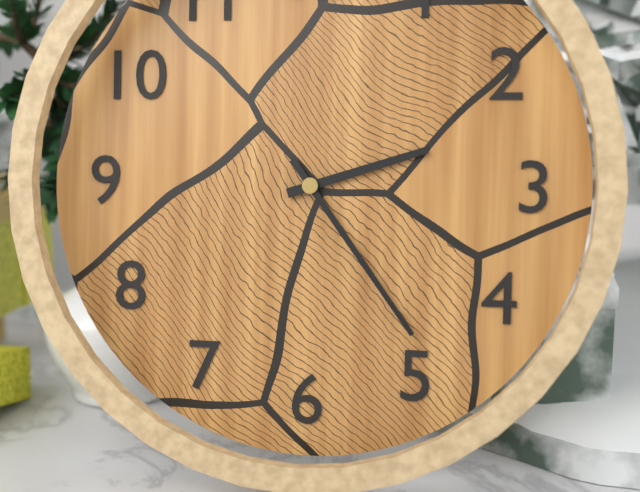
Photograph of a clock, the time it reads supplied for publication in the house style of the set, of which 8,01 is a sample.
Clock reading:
2,24
